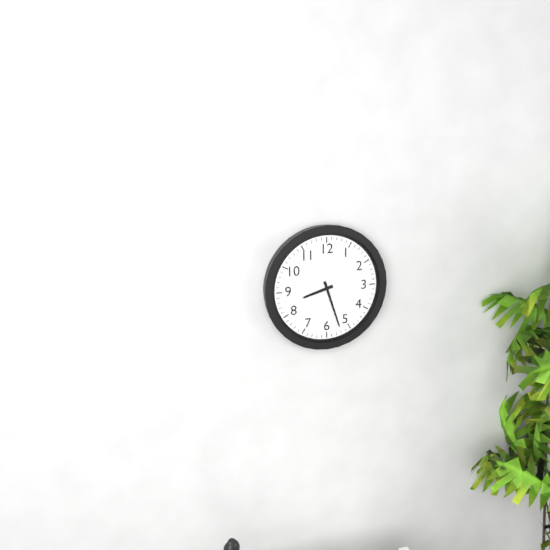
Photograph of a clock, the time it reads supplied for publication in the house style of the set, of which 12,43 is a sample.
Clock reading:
8,27
